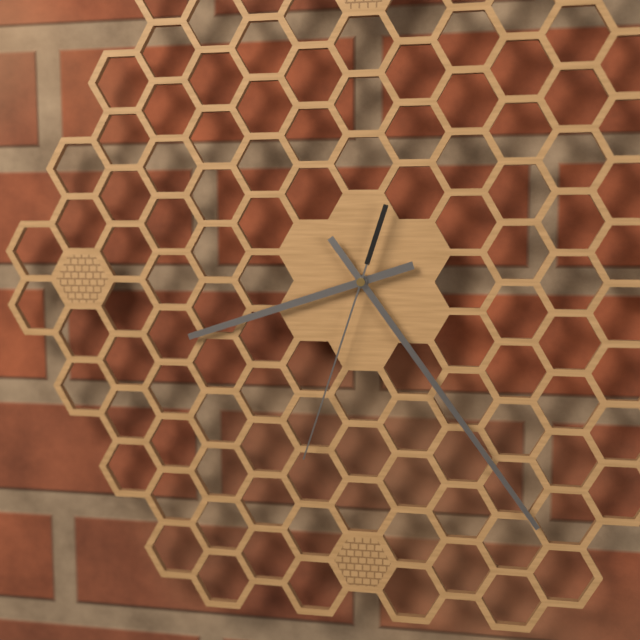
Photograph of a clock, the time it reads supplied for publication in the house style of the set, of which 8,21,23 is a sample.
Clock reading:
8,24,33
